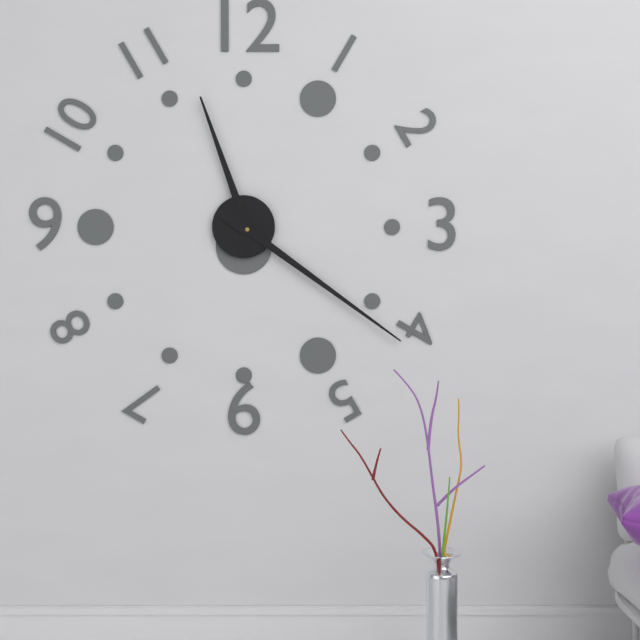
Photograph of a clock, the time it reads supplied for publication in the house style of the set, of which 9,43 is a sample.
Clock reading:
11,21
